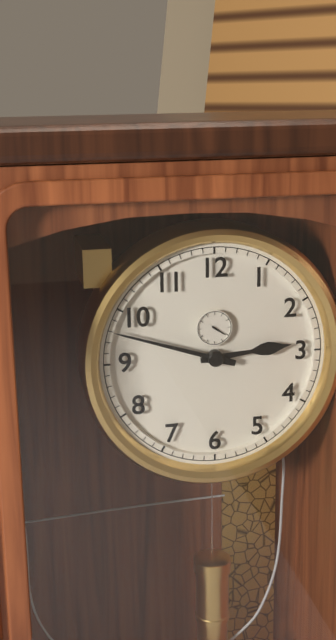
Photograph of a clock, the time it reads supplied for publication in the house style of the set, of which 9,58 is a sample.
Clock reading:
2,48
